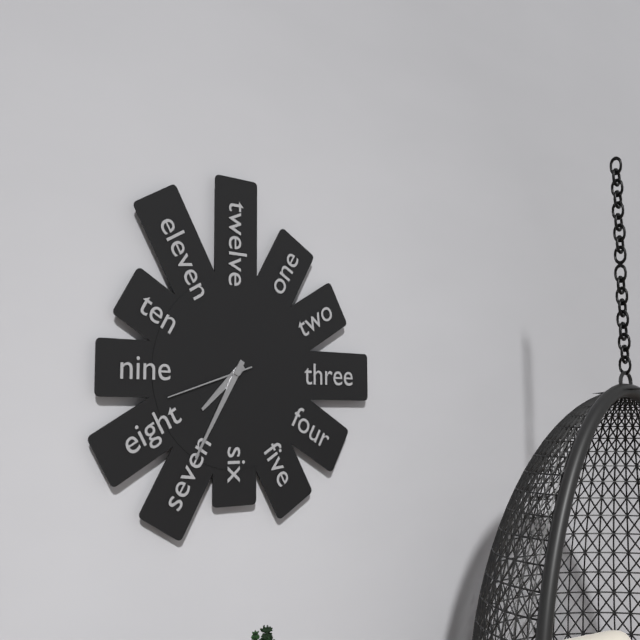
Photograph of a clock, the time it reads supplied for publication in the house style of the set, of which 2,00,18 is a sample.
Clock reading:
7,35,42
